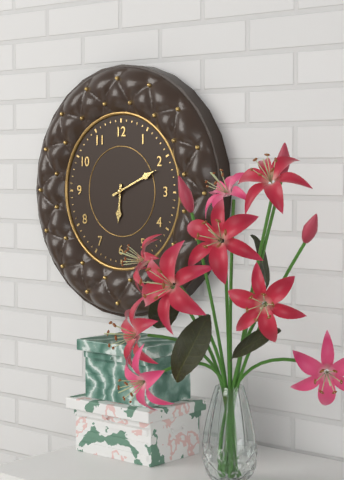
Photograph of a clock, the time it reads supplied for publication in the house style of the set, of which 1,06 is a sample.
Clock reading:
6,11
